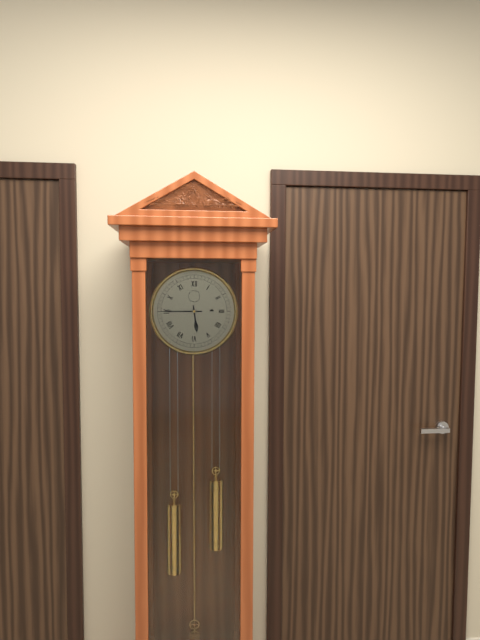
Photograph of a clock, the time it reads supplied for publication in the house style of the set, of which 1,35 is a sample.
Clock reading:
5,45
